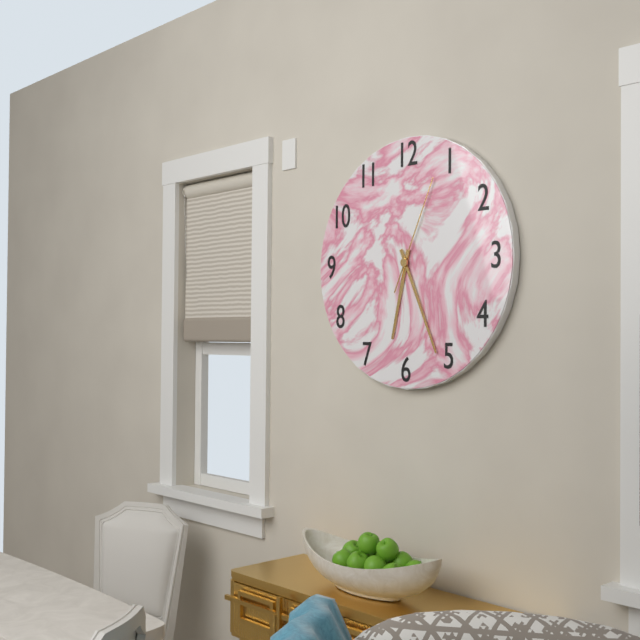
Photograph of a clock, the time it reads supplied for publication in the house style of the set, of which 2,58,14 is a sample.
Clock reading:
6,26,04
